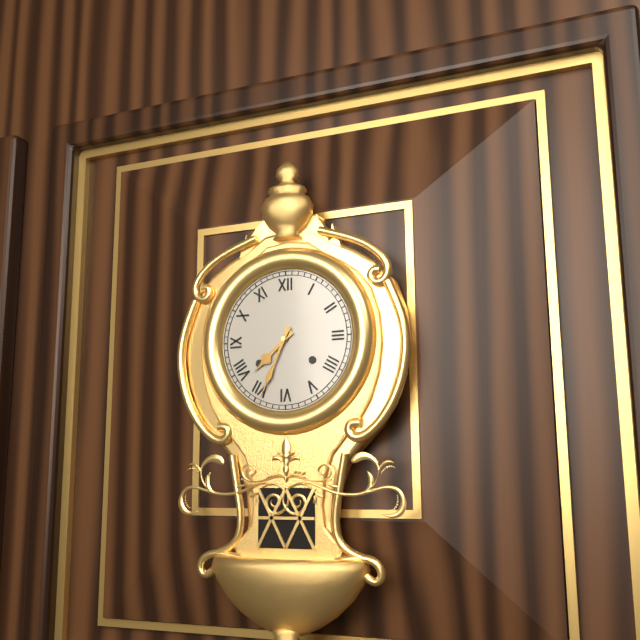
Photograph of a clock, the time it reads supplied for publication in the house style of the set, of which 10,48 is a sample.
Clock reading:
7,34
